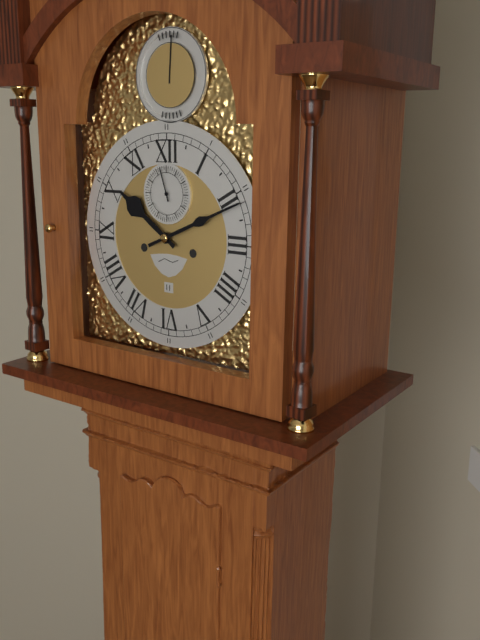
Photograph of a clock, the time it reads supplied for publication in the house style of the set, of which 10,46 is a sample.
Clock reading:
10,11
